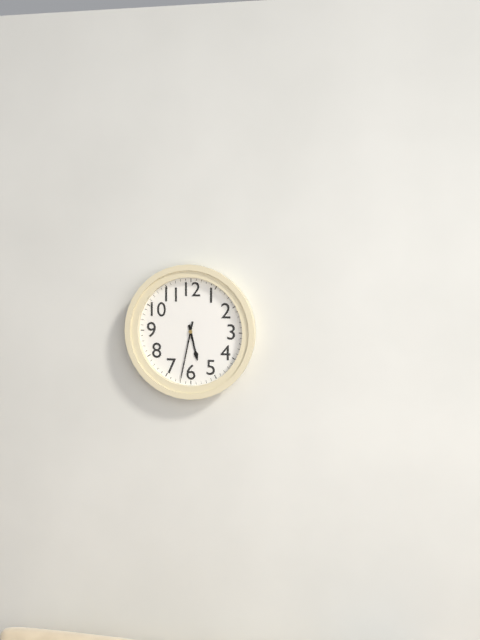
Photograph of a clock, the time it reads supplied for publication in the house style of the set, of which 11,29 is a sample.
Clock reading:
5,32
